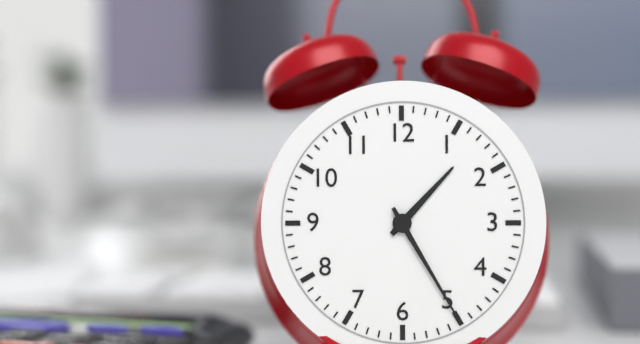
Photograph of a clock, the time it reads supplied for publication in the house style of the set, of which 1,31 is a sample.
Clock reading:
1,25
